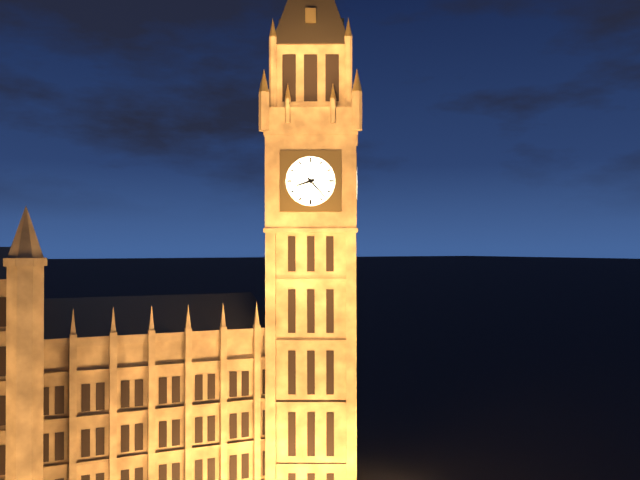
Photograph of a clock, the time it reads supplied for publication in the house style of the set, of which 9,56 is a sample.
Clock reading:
8,23
